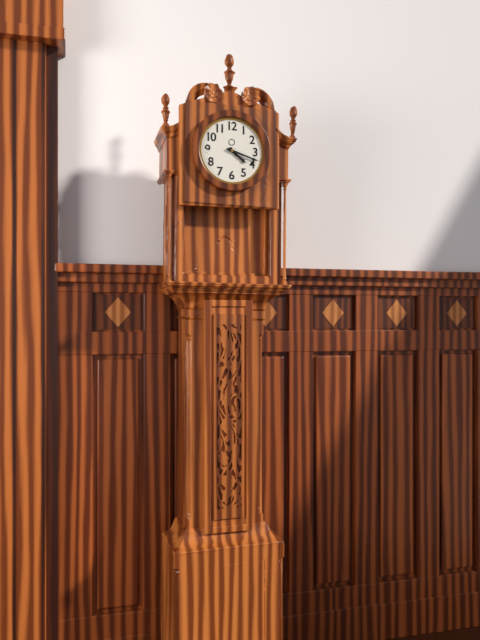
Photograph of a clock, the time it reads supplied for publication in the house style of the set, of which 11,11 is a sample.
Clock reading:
4,18
